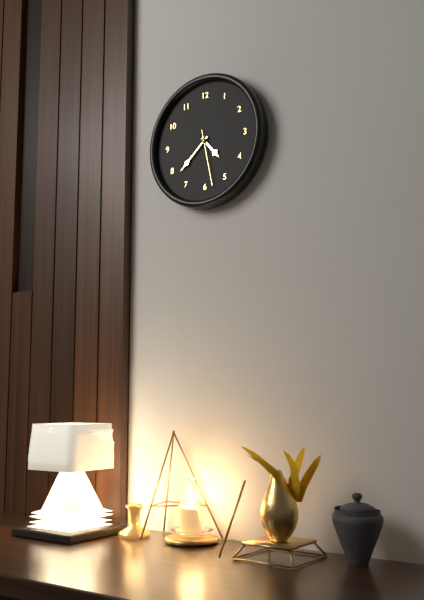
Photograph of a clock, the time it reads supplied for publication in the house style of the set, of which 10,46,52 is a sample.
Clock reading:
4,38,28
